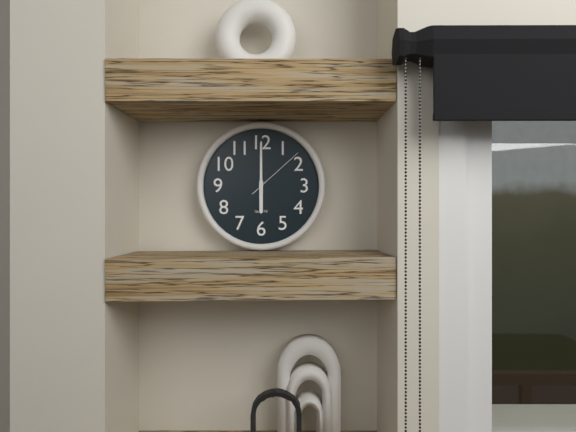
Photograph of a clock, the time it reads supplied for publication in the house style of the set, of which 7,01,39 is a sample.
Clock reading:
6,00,08
